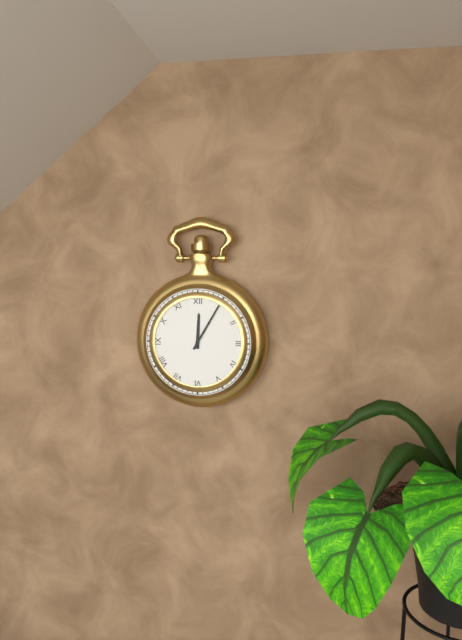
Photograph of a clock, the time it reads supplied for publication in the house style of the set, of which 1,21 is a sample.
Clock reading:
12,05
